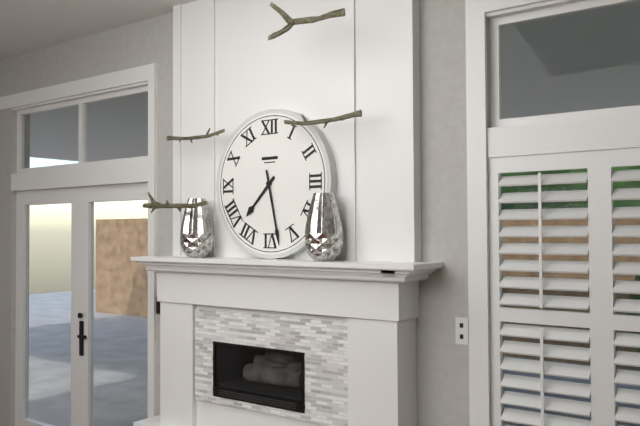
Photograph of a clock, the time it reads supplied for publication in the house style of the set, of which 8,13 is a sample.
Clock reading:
7,28
